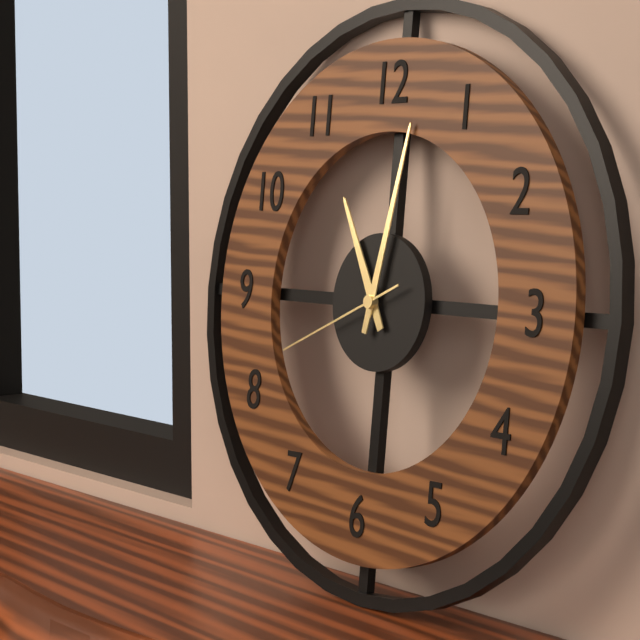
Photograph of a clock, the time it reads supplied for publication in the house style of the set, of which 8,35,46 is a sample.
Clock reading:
11,02,41
